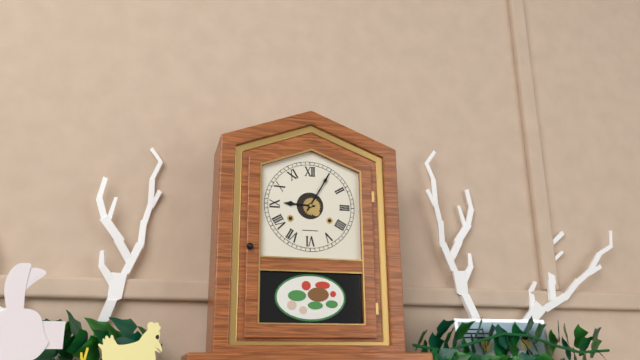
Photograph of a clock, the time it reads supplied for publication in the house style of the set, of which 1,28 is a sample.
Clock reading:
9,05
